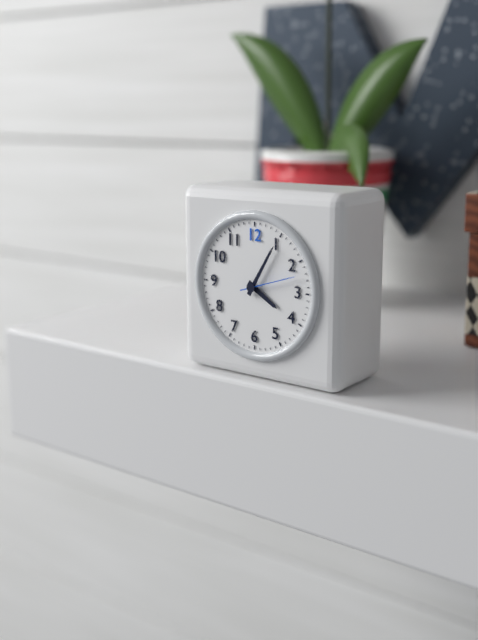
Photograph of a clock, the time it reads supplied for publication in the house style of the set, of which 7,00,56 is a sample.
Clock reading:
4,05,12
